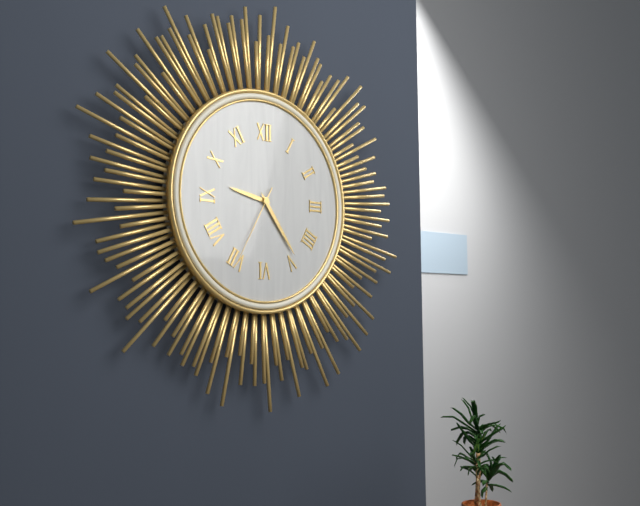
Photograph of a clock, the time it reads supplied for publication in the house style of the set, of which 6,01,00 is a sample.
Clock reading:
9,24,35
